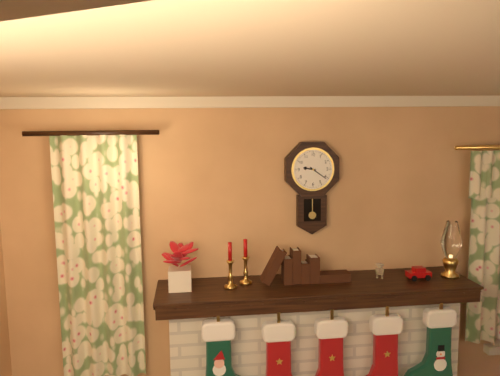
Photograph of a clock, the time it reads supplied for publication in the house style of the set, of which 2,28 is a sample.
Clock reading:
9,21
